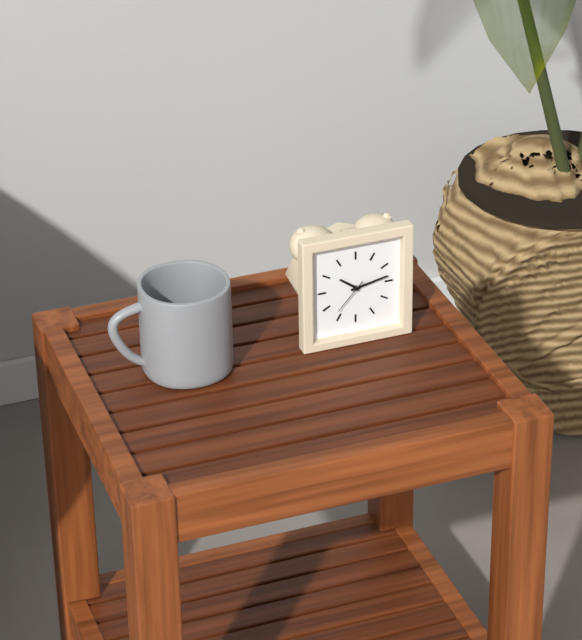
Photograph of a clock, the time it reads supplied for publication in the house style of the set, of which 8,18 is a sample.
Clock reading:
10,13
